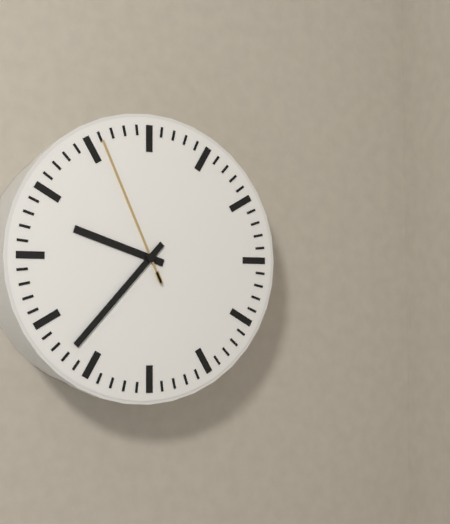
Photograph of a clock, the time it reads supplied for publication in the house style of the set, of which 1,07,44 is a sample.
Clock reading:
9,37,56
